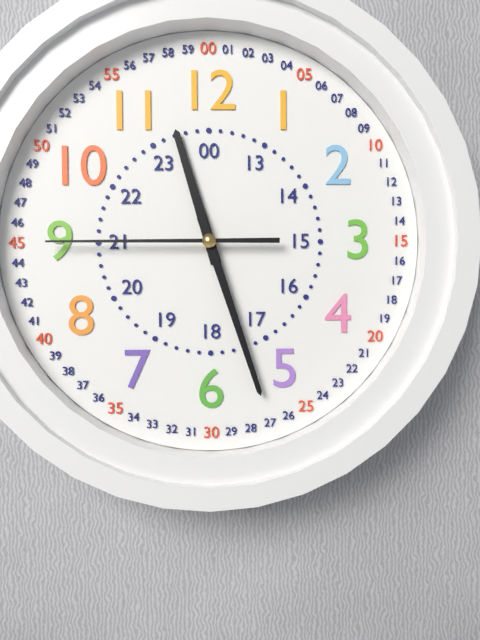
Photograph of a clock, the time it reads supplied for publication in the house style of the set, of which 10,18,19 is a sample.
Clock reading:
11,27,45
